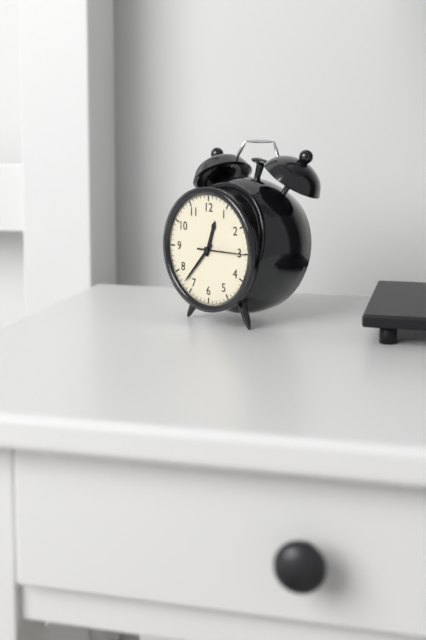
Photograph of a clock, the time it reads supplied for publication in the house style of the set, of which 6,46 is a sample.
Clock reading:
12,37
